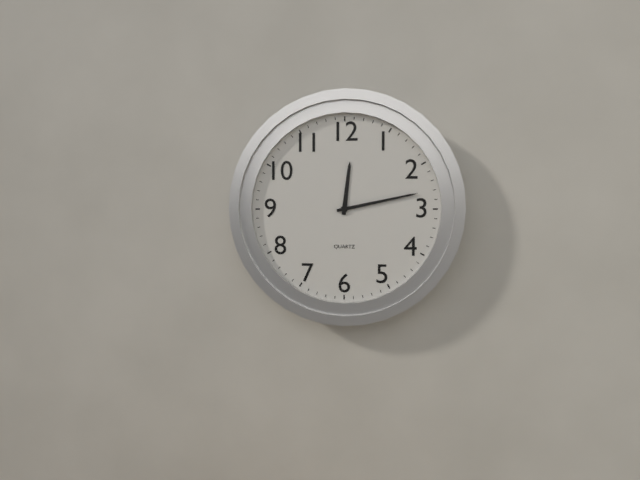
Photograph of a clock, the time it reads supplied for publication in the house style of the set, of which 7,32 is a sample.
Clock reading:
12,13
